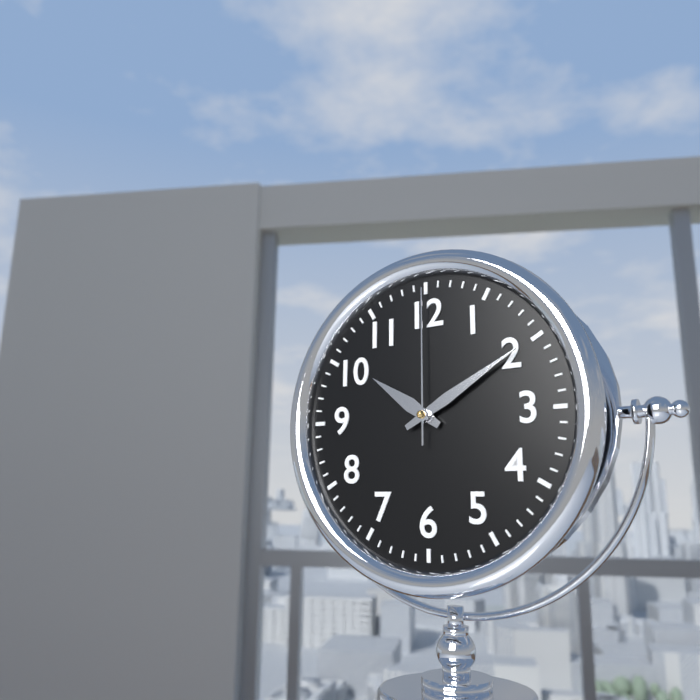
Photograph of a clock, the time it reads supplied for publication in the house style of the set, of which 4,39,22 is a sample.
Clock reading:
10,10,00
